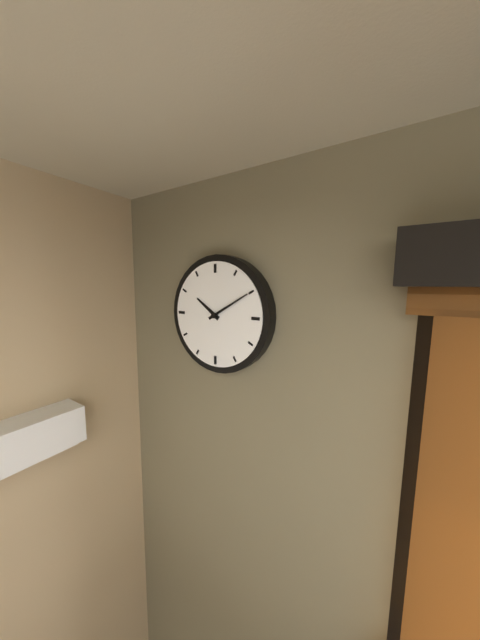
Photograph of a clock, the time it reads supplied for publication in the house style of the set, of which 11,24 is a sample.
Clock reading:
10,10
